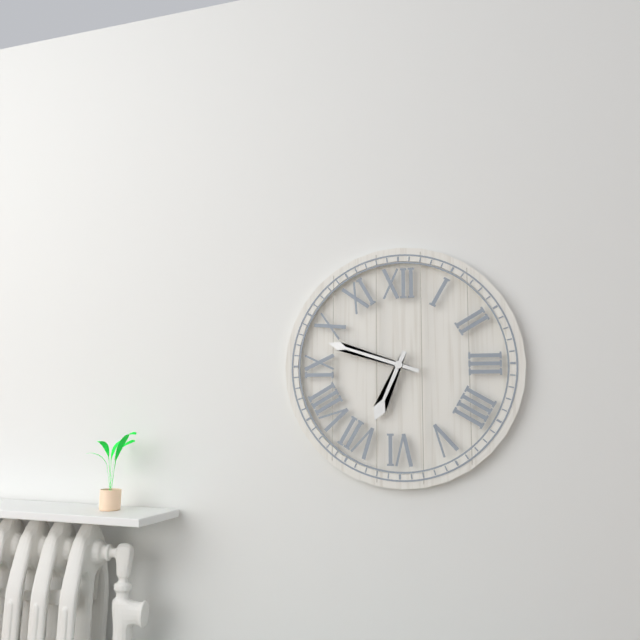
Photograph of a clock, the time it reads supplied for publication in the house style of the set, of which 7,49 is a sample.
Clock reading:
6,48
